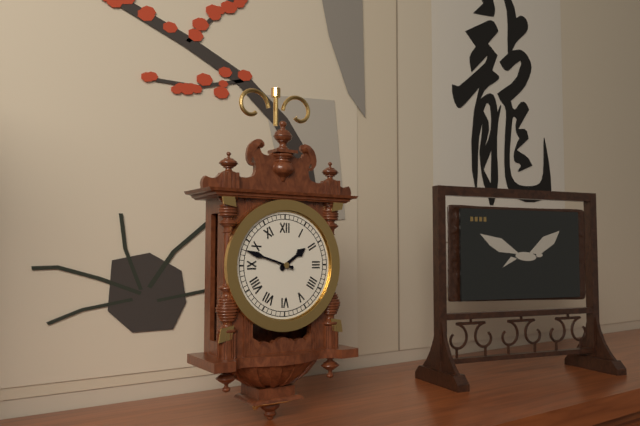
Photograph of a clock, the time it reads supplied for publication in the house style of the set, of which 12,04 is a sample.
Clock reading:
1,48
